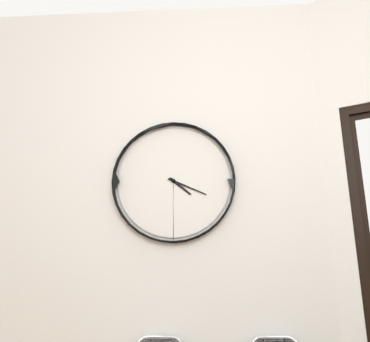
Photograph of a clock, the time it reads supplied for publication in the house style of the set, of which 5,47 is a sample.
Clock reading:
4,19
